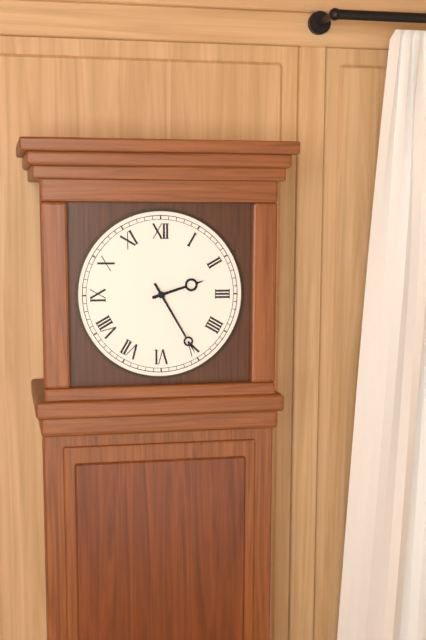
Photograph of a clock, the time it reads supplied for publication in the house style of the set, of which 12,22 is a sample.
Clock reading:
2,25
